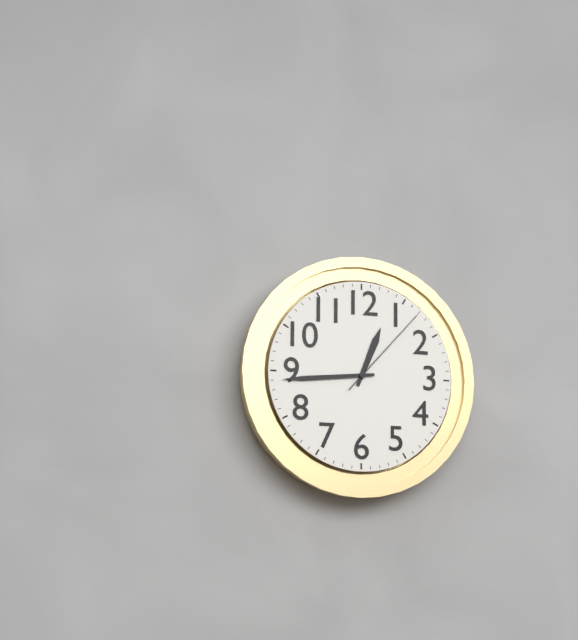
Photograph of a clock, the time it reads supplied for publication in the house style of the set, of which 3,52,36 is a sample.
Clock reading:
12,44,07
